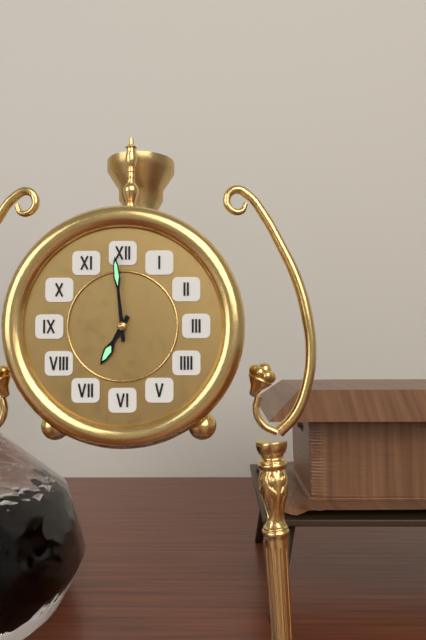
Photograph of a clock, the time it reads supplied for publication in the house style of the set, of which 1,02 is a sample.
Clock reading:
6,59
